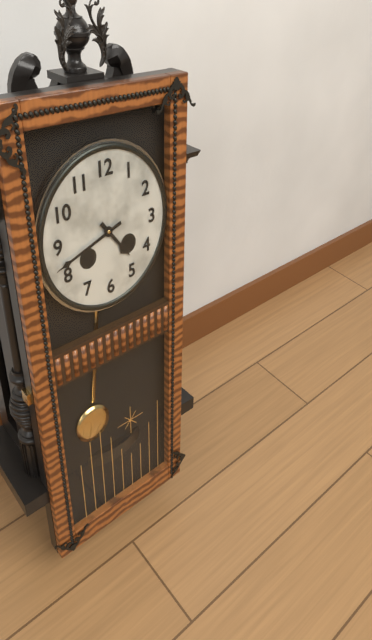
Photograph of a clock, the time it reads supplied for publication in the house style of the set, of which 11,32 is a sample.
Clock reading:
4,42
